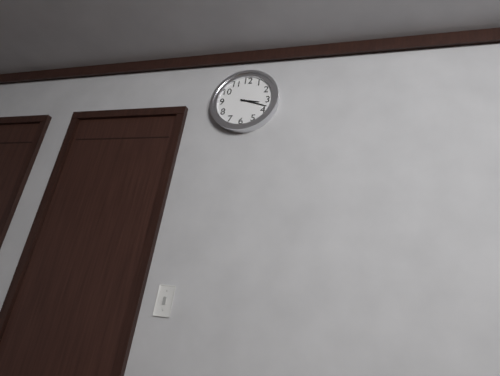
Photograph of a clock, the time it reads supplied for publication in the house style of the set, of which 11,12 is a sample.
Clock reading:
3,18
